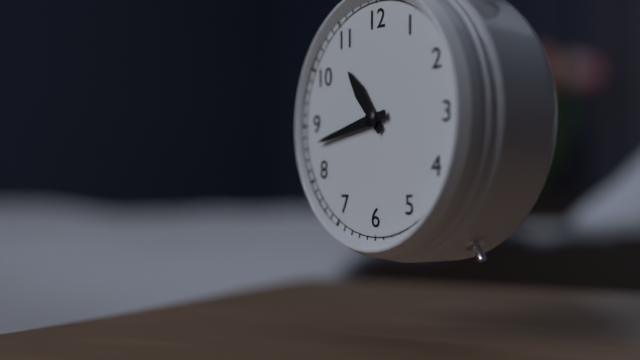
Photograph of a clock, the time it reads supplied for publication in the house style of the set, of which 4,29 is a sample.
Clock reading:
10,43
